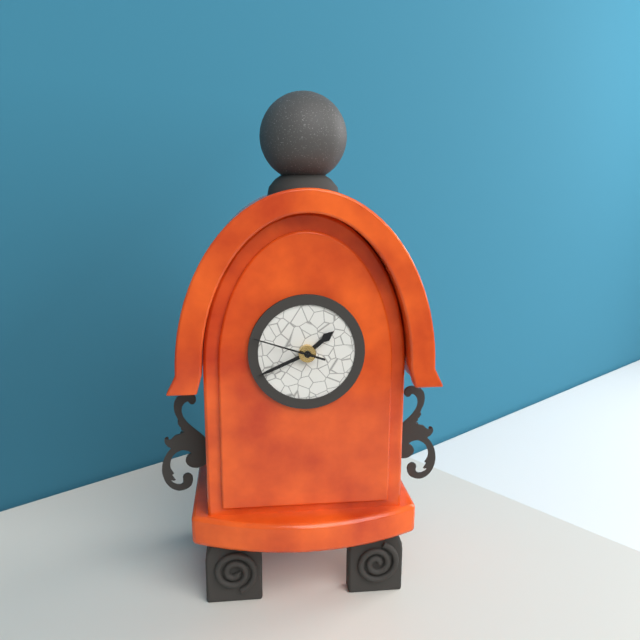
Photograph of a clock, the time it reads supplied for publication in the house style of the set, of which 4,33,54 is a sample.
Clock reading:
1,41,48
